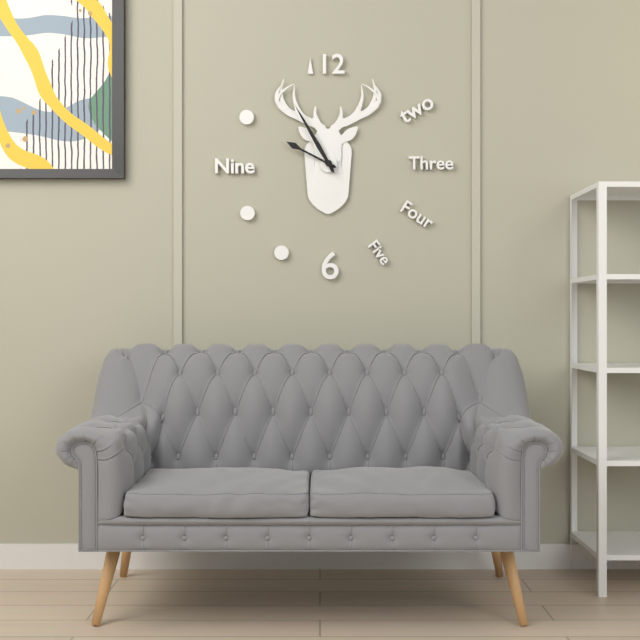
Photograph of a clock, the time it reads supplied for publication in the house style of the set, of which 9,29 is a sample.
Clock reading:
9,55
